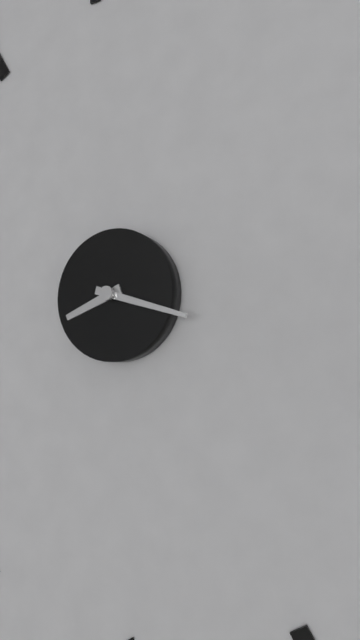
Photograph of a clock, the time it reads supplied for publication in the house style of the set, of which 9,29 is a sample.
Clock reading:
8,18
